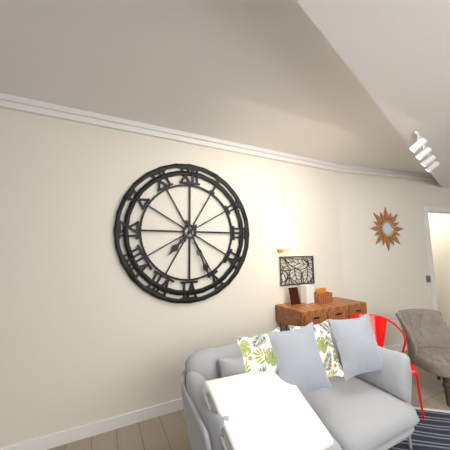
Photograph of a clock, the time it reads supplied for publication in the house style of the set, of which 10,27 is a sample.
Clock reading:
7,26
